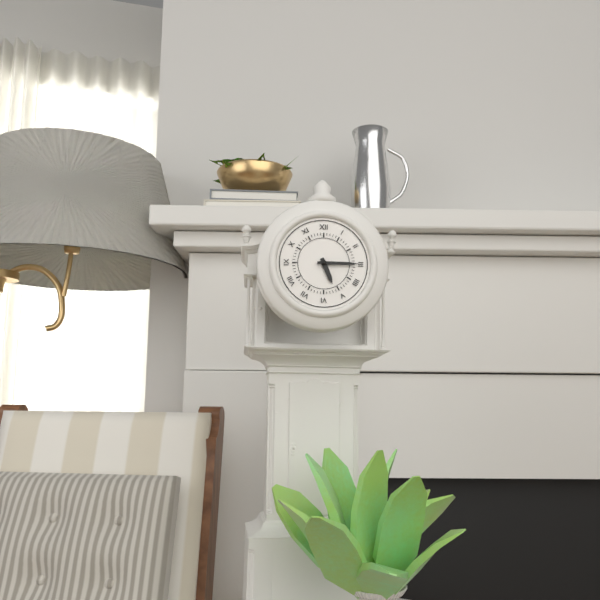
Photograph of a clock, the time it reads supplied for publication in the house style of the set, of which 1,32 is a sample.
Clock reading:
5,15
